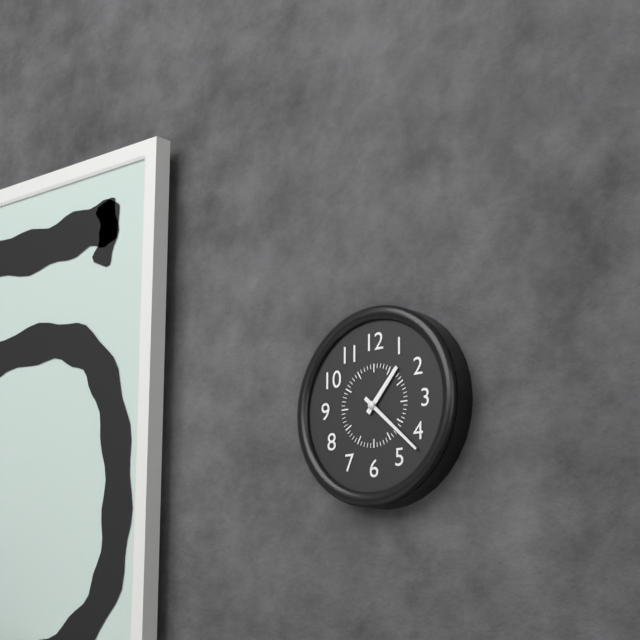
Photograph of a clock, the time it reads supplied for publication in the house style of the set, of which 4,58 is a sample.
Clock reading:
1,22
